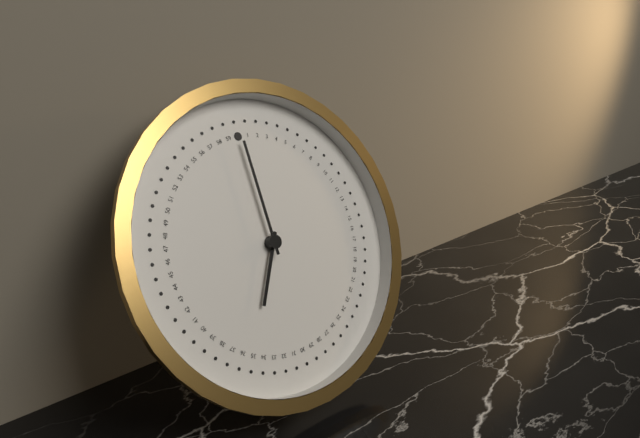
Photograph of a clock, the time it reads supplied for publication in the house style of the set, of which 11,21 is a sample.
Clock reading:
7,00
